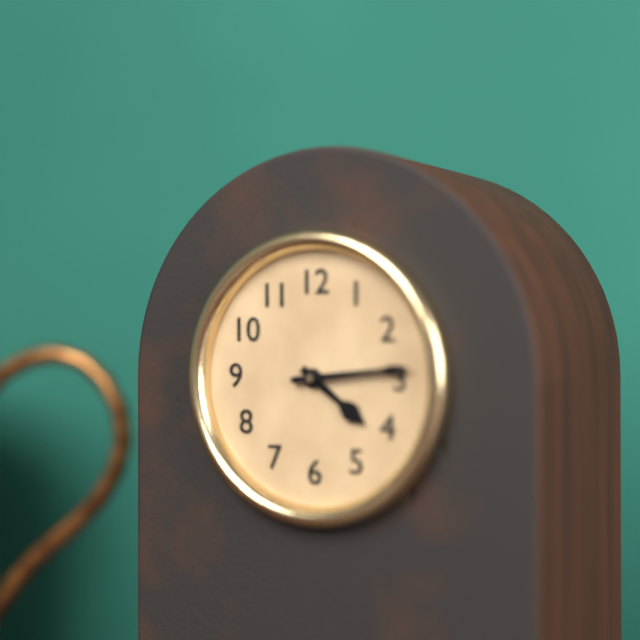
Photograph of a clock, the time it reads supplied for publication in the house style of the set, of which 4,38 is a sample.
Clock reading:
4,14
